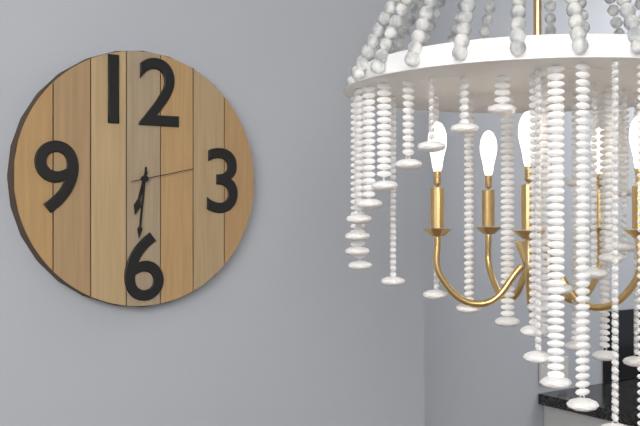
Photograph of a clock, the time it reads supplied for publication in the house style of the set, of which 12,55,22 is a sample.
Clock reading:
6,31,13
